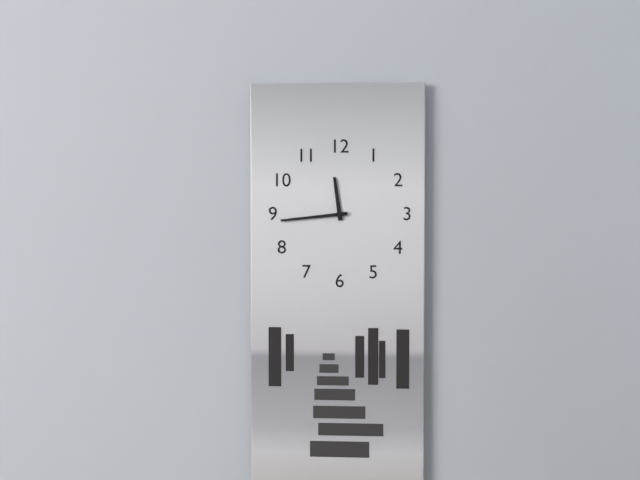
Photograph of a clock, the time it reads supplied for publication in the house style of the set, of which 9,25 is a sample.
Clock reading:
11,44
